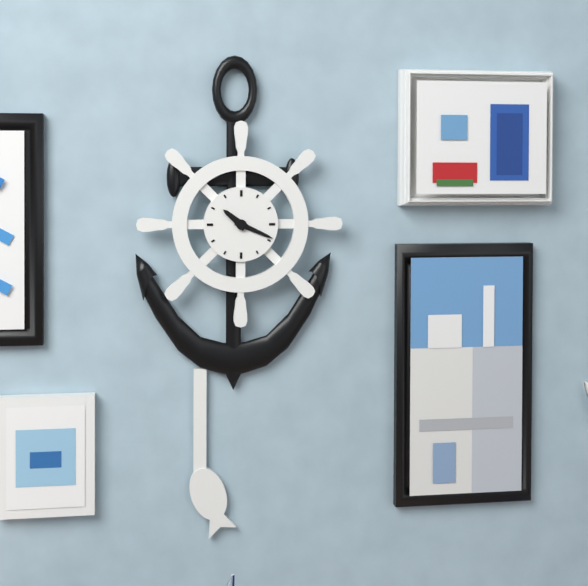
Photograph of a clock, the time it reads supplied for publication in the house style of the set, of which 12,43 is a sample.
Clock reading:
10,19
